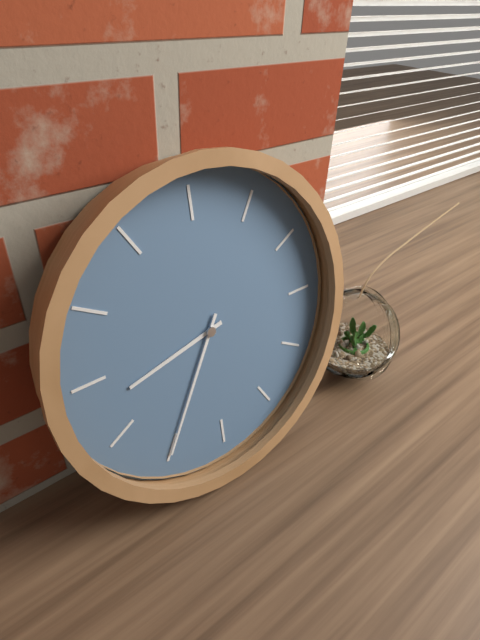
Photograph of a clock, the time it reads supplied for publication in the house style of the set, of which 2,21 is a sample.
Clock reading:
8,35
